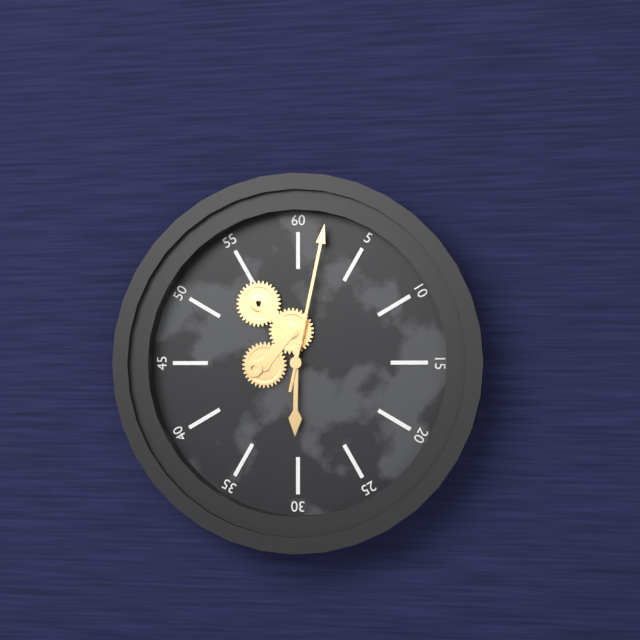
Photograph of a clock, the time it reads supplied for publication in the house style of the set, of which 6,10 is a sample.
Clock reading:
6,02
